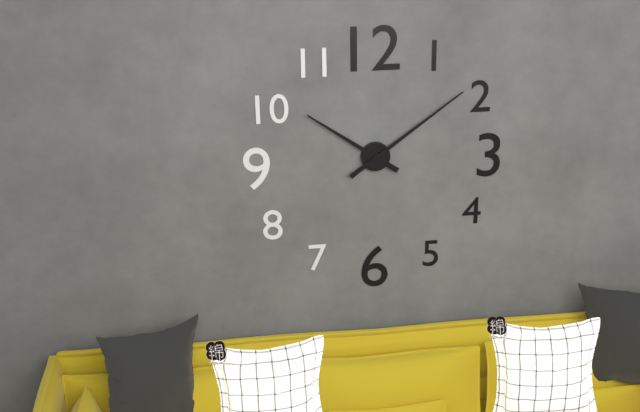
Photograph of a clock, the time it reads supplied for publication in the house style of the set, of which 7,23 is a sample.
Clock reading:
10,09
